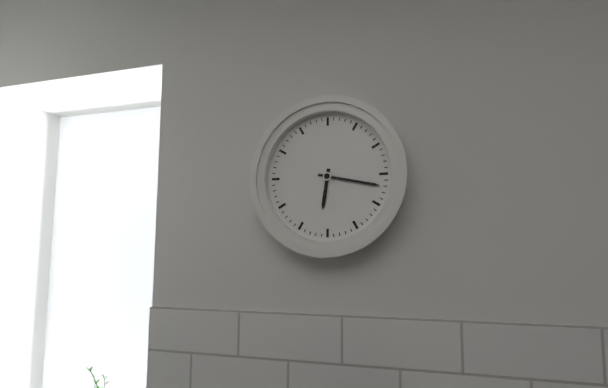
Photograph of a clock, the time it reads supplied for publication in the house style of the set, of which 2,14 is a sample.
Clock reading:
6,17
